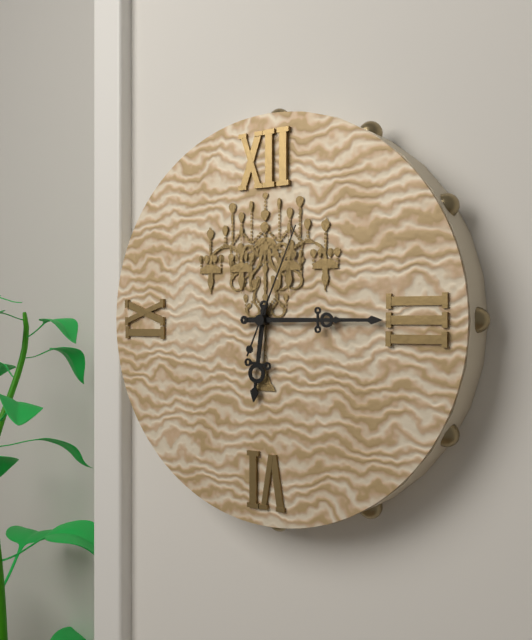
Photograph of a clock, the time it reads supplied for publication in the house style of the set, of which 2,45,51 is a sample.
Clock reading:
6,15,04
